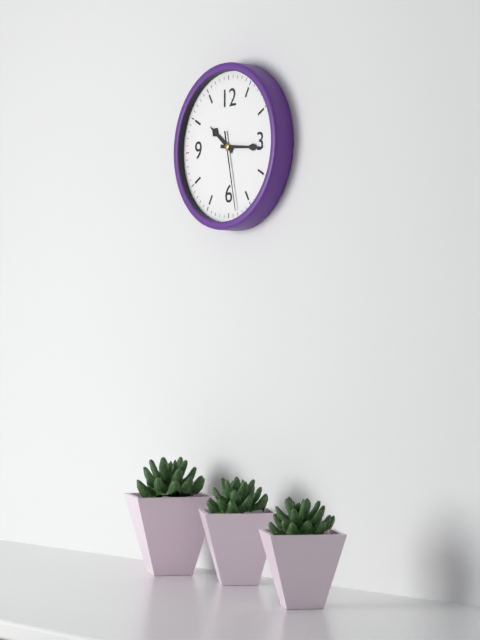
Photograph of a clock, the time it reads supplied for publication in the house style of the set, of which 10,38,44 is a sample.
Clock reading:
10,16,28
